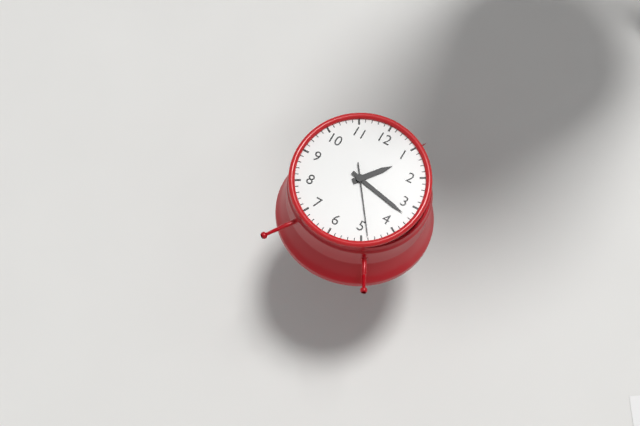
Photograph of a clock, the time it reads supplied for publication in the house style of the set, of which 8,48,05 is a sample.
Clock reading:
1,17,24
